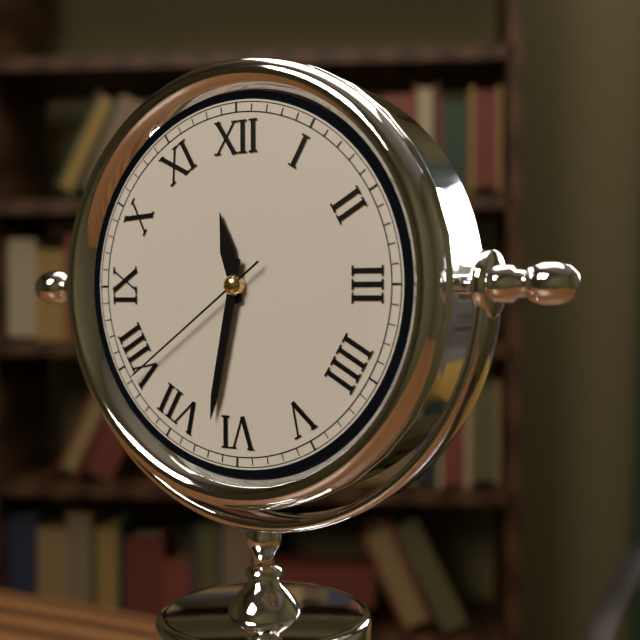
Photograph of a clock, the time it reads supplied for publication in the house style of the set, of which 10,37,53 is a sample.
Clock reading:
11,32,39
